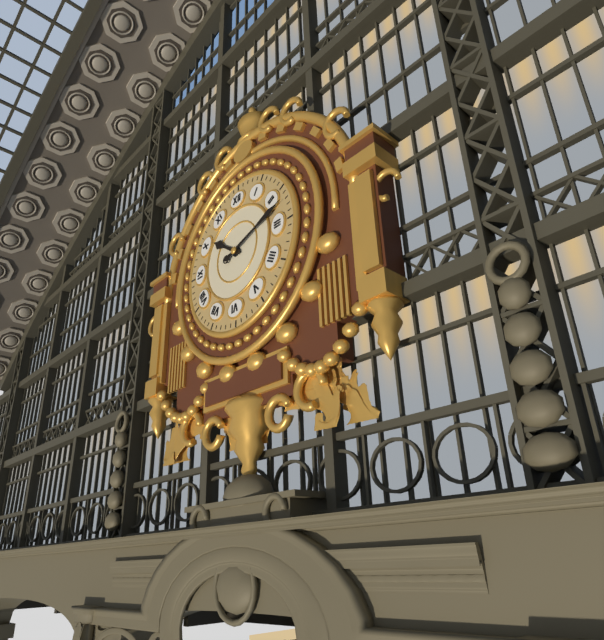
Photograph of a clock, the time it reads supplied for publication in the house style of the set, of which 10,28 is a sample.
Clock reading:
10,12
